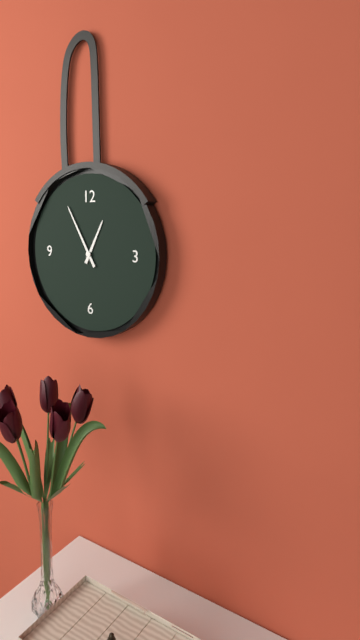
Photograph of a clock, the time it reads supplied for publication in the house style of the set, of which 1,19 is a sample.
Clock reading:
12,55
